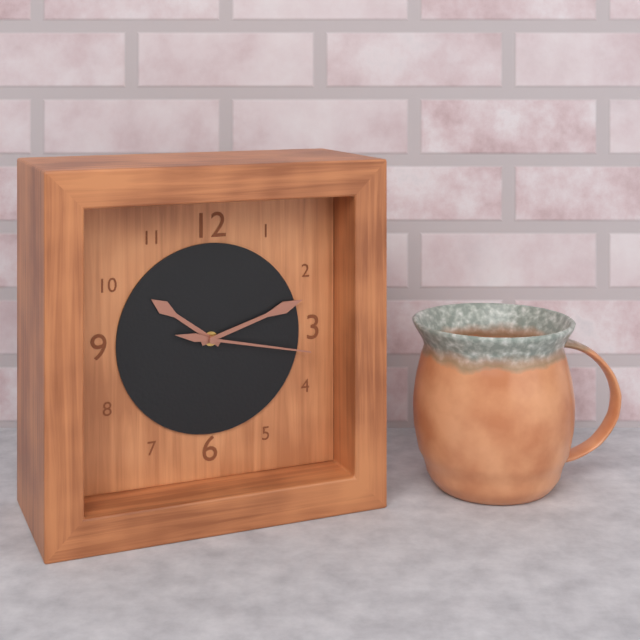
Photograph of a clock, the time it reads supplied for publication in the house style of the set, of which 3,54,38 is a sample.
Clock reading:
10,12,17
